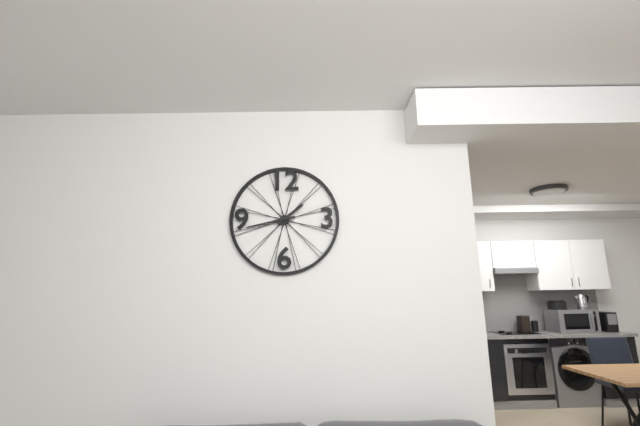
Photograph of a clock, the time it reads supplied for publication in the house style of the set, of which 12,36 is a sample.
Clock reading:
1,43
